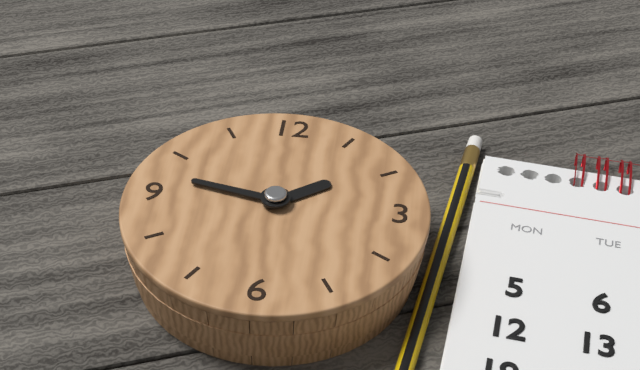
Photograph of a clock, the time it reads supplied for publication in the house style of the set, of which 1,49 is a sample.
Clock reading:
1,47
